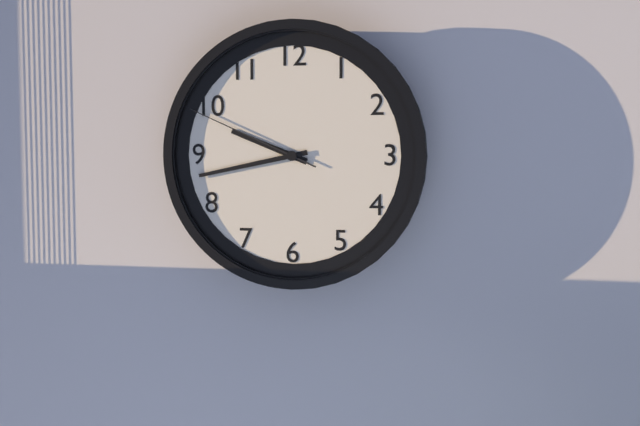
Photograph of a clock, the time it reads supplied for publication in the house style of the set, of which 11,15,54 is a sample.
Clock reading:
9,43,49
